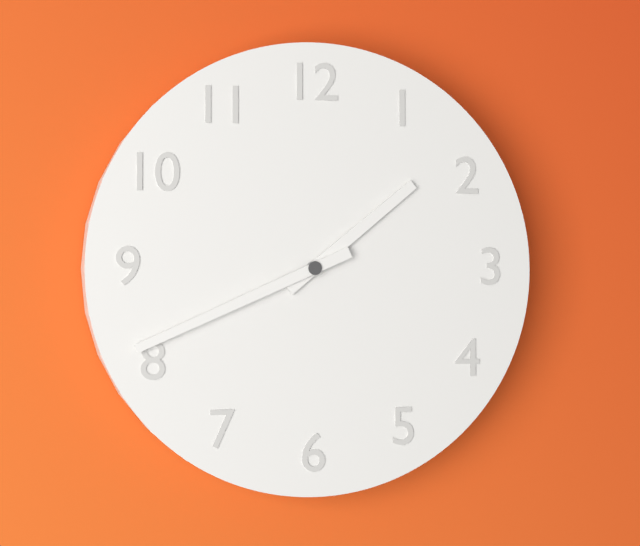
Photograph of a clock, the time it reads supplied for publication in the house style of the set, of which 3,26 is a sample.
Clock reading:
1,41
